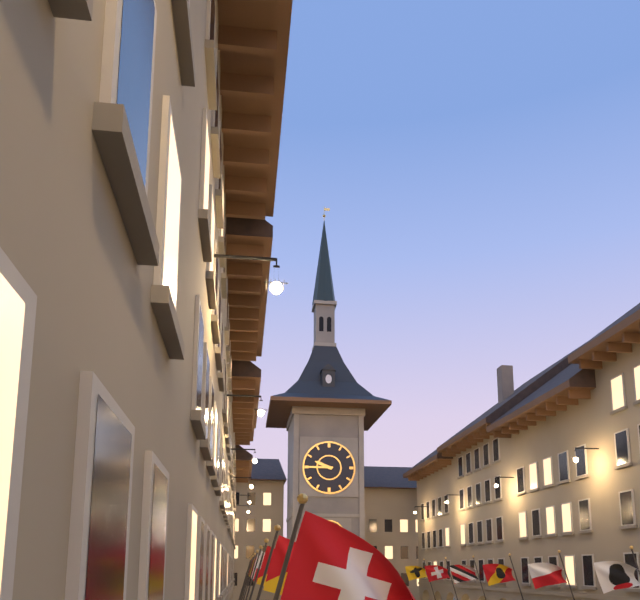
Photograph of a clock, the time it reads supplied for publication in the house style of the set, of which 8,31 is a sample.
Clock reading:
9,45
